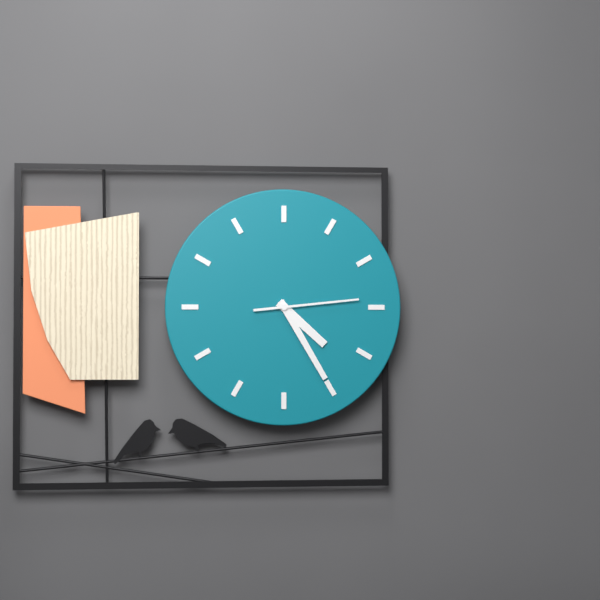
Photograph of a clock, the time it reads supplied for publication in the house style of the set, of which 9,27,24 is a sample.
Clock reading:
4,25,14
